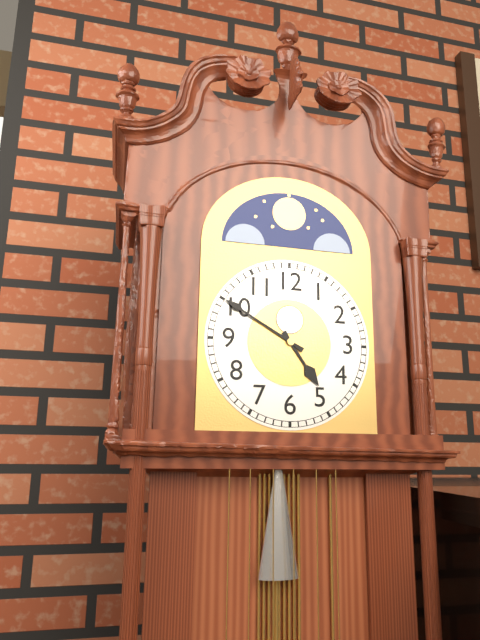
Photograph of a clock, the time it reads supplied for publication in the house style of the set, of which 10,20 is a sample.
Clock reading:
4,50
